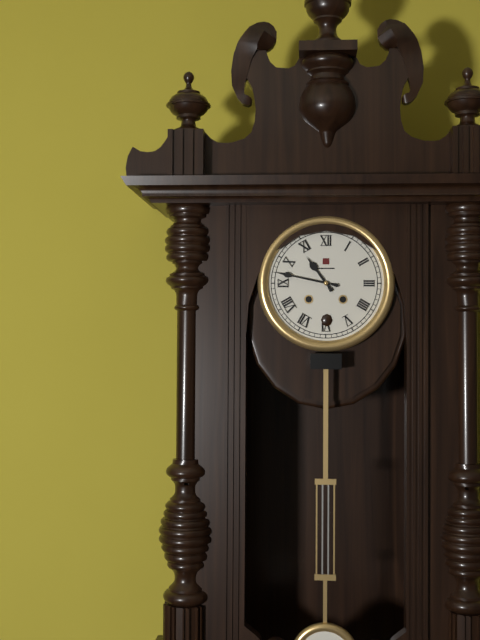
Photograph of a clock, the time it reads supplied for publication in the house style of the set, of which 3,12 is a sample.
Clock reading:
10,47
